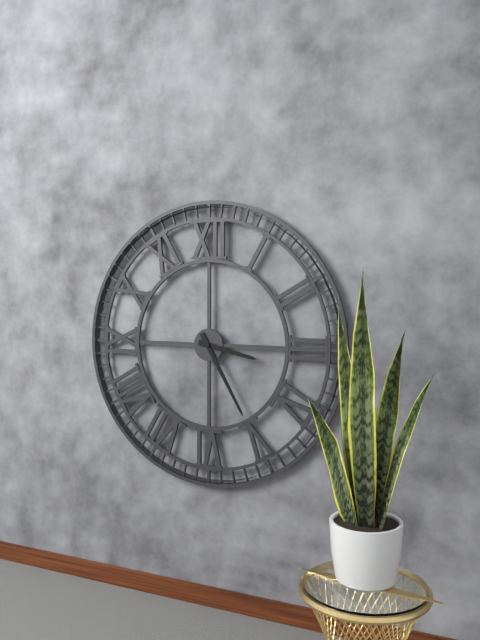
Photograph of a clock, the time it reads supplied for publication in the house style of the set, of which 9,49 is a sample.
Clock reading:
3,25
